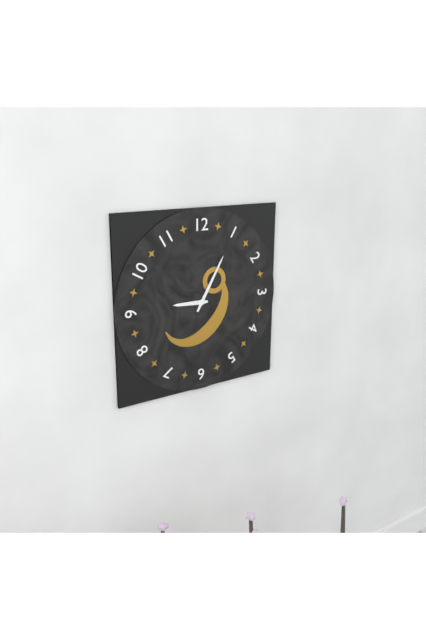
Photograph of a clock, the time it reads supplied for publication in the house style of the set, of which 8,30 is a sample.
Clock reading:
9,05
